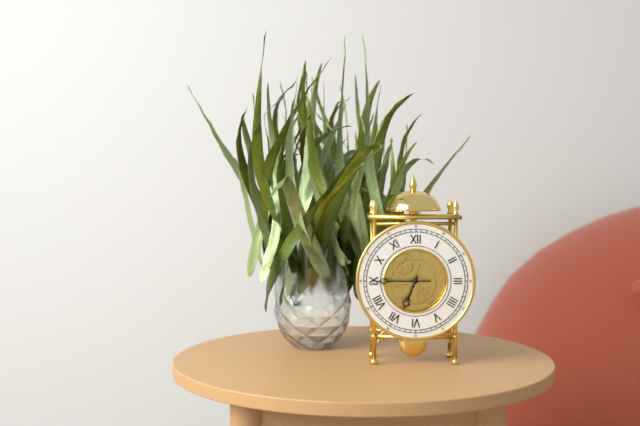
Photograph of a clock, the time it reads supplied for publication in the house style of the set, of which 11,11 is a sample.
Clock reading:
6,45
